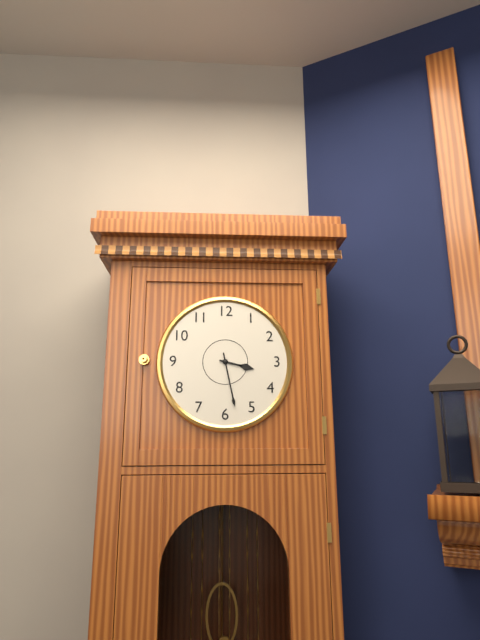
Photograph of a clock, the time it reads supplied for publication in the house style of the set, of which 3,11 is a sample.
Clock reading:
3,28
